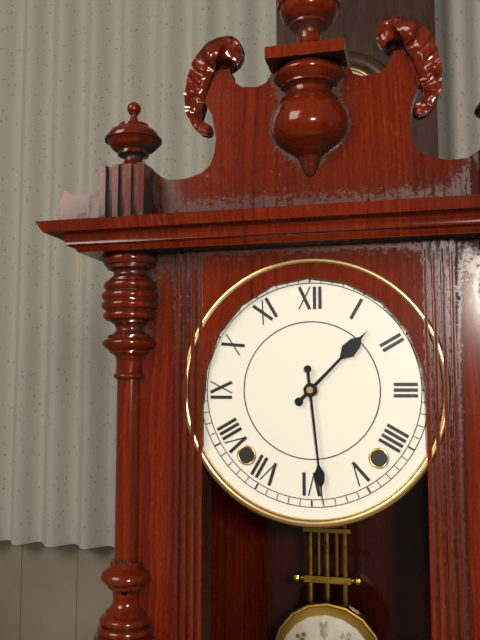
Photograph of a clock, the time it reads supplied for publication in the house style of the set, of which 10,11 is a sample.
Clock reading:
1,29
